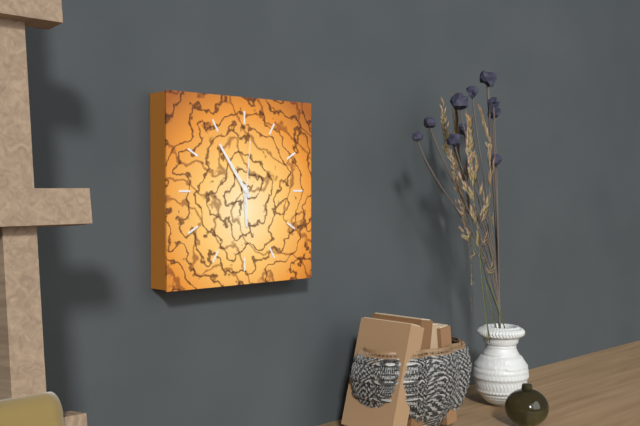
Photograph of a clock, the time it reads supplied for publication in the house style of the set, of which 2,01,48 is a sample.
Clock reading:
5,54,01
